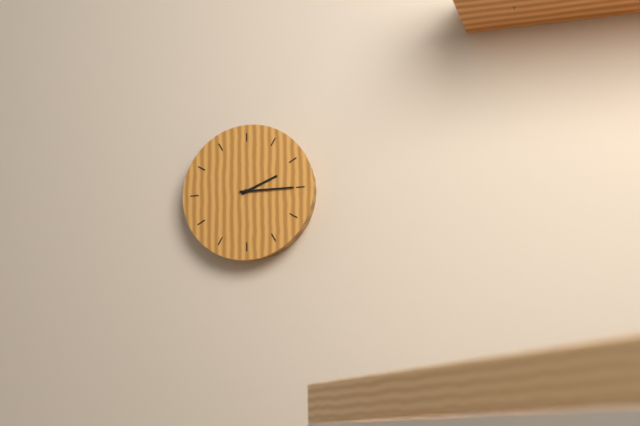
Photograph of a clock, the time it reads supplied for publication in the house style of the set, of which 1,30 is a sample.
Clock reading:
2,15
